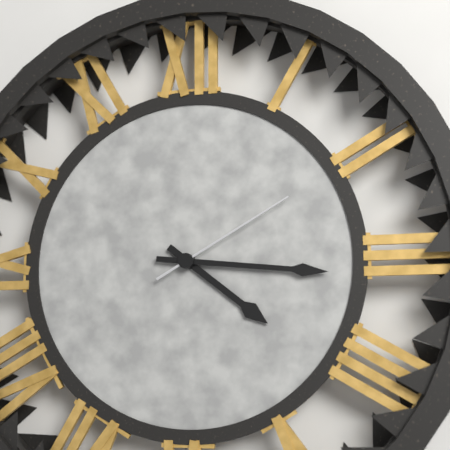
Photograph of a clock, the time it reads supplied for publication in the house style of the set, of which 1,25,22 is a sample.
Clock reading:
4,16,10
